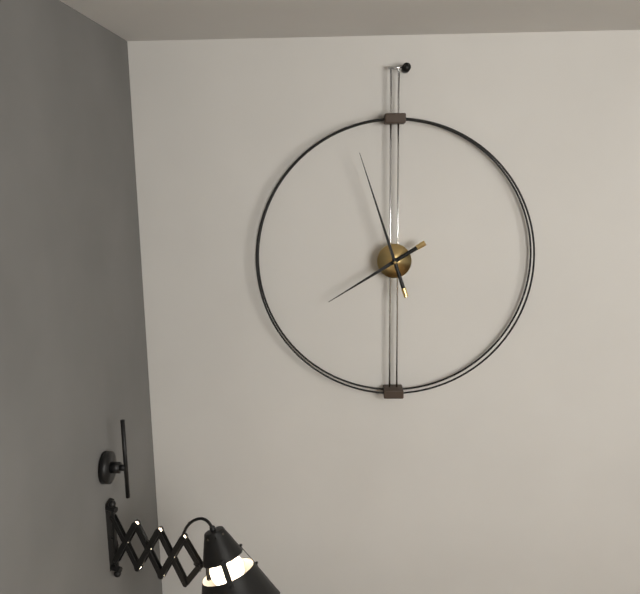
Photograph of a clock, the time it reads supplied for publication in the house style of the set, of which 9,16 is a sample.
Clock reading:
7,57
